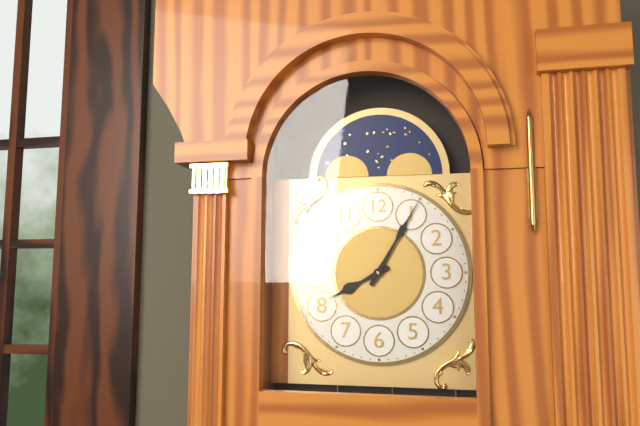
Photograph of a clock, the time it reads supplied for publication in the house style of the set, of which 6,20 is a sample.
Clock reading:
8,05
